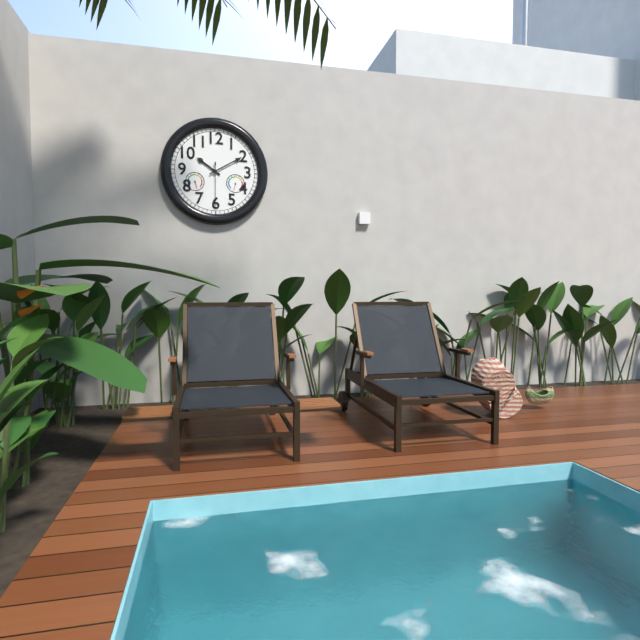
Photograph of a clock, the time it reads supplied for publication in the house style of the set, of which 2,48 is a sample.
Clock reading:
10,10
